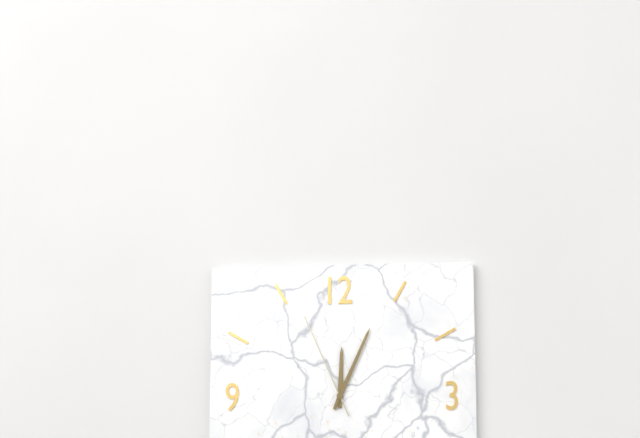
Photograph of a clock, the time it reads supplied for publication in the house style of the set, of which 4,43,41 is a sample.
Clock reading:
12,04,56
